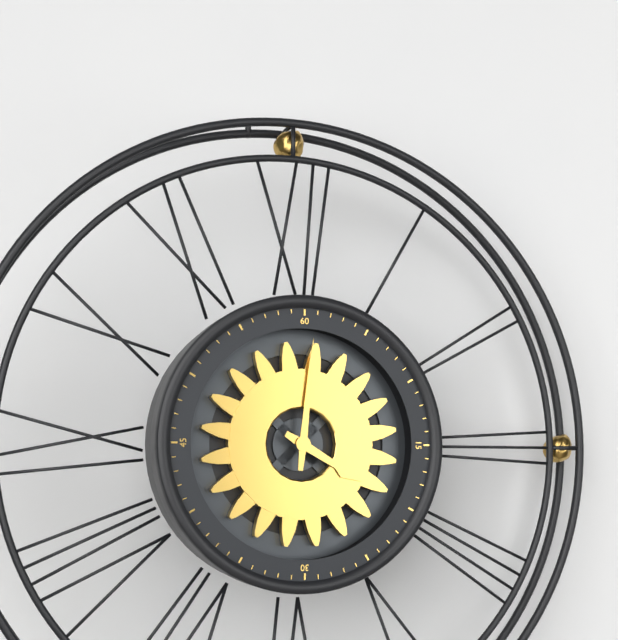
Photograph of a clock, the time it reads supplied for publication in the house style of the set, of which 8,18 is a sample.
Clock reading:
4,01
